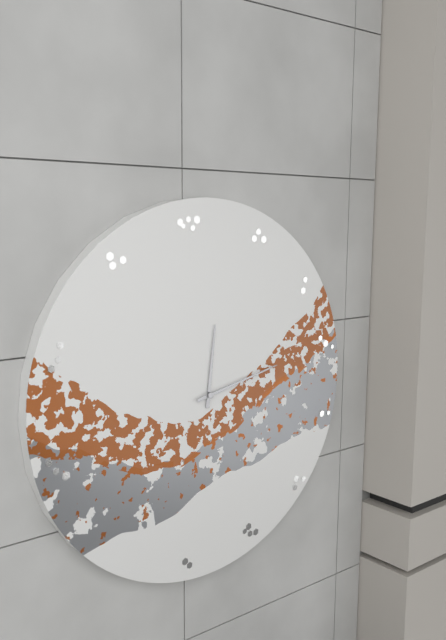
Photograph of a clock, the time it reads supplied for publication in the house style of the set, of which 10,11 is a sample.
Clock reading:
12,13
